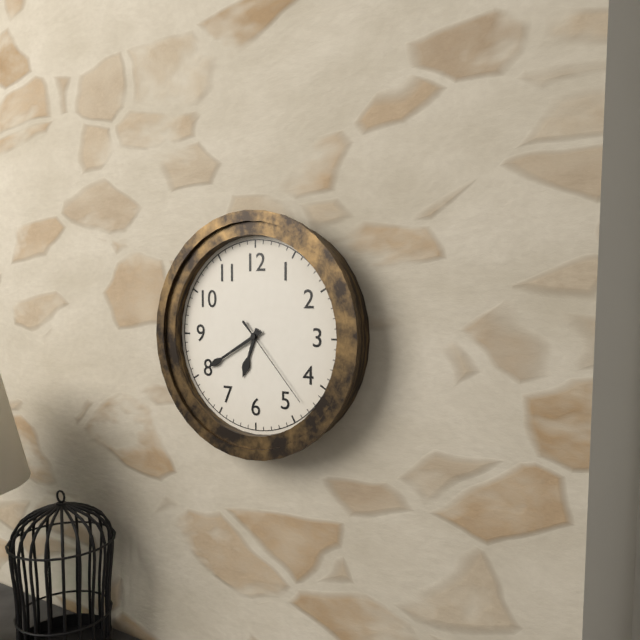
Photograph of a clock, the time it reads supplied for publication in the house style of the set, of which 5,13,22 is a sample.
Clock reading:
6,40,23
